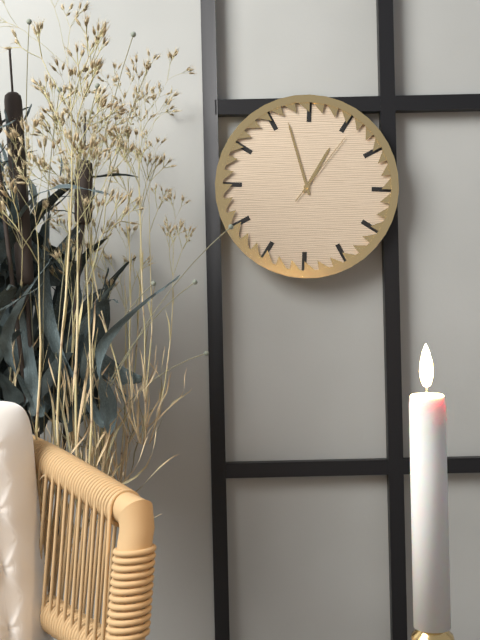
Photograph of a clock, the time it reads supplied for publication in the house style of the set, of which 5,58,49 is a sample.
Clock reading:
12,57,06
